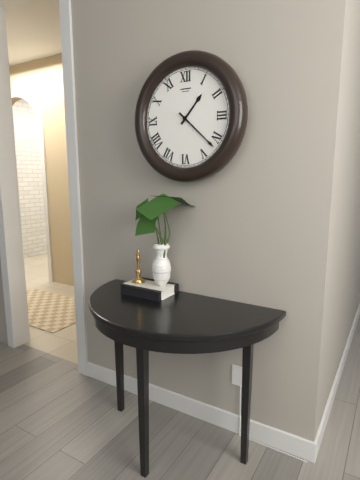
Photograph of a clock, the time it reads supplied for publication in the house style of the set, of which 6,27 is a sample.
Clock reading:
1,22
